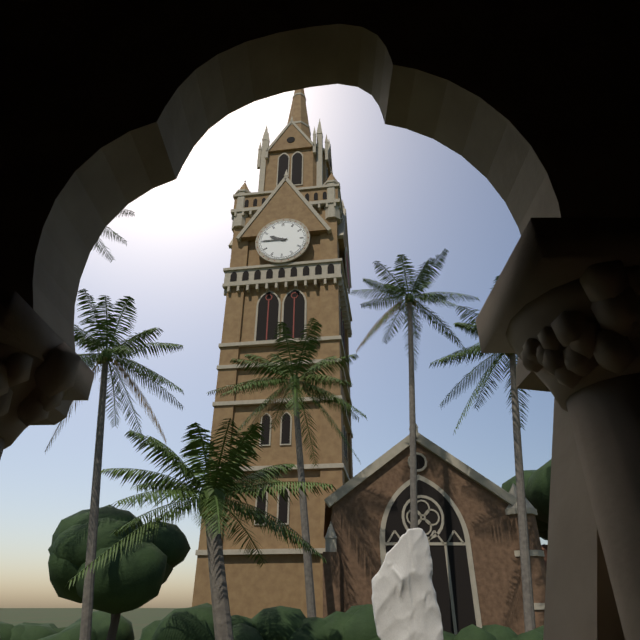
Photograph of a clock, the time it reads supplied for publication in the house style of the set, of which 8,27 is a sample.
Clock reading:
9,45
